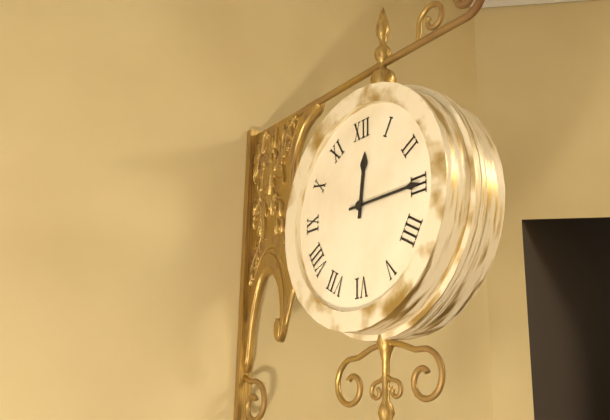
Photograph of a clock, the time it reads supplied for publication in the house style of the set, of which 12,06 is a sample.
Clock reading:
12,15
